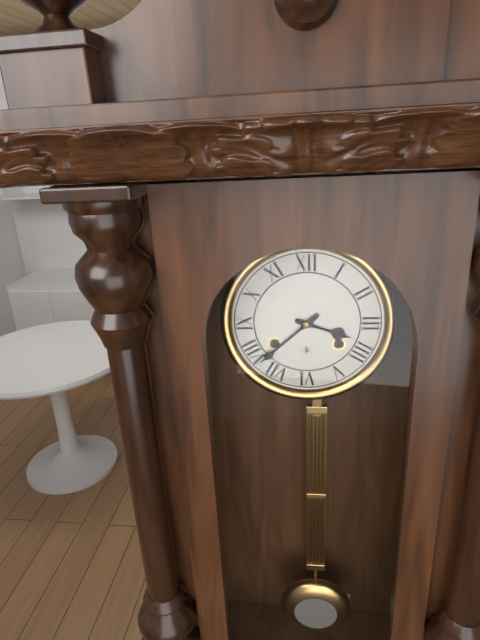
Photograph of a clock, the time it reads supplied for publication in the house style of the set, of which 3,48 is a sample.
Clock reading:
3,38
